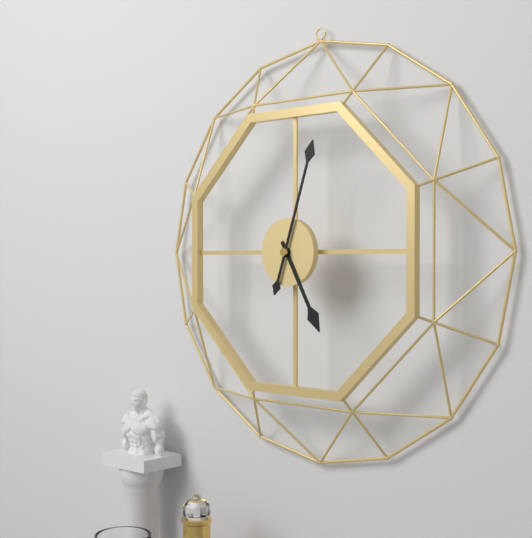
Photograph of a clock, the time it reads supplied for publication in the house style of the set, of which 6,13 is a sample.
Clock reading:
5,03
